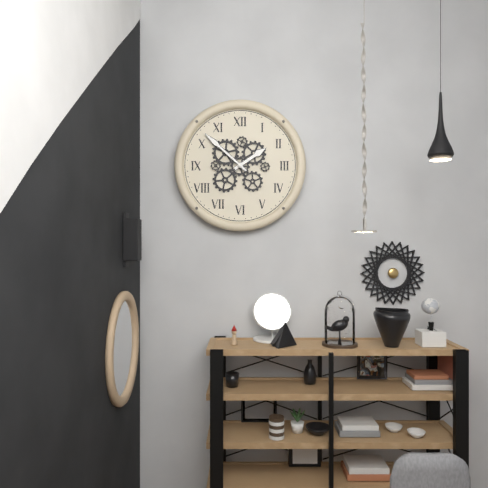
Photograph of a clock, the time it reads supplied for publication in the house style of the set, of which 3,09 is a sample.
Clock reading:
1,52
